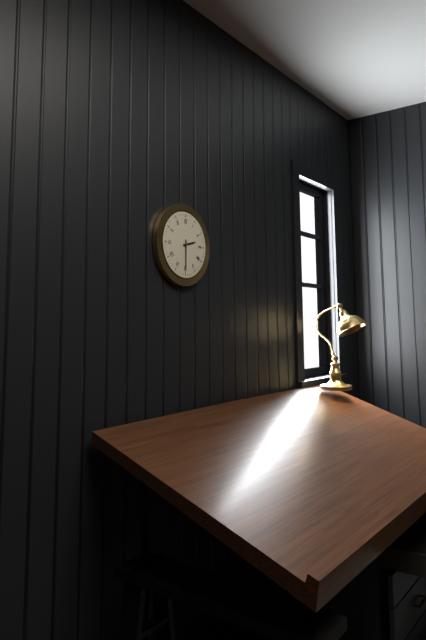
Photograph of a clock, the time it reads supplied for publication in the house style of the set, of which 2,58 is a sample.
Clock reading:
2,30
